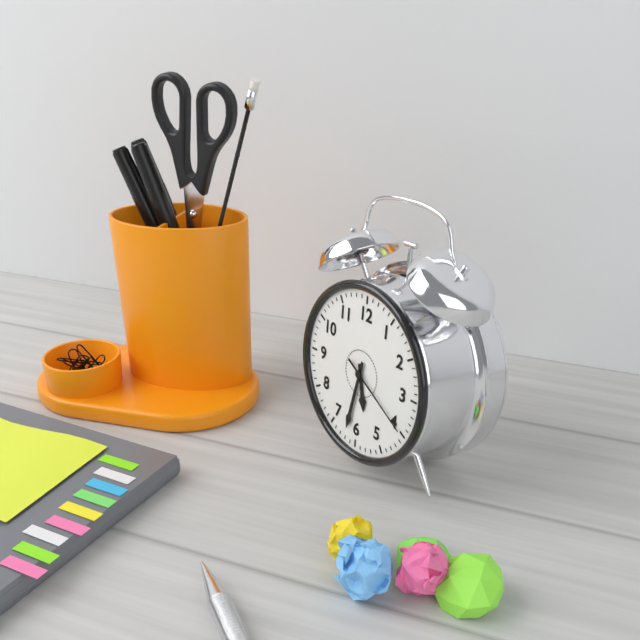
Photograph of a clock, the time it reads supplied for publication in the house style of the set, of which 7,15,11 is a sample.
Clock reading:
5,32,20
